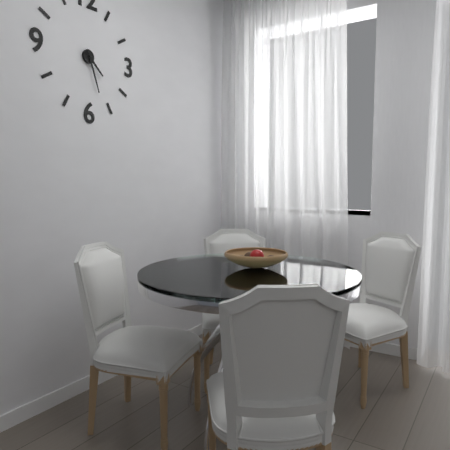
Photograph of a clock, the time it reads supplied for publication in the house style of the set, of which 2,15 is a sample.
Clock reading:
4,27
